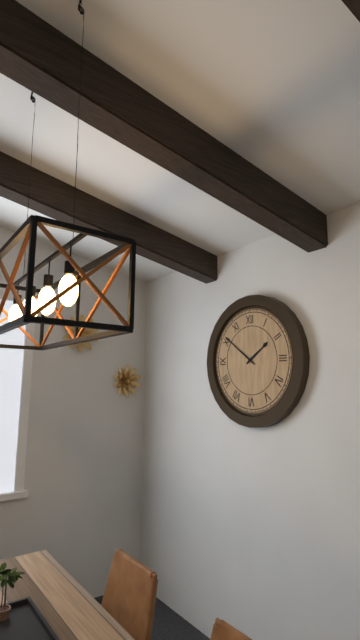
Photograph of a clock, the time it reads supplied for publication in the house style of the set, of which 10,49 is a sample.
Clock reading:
1,51
